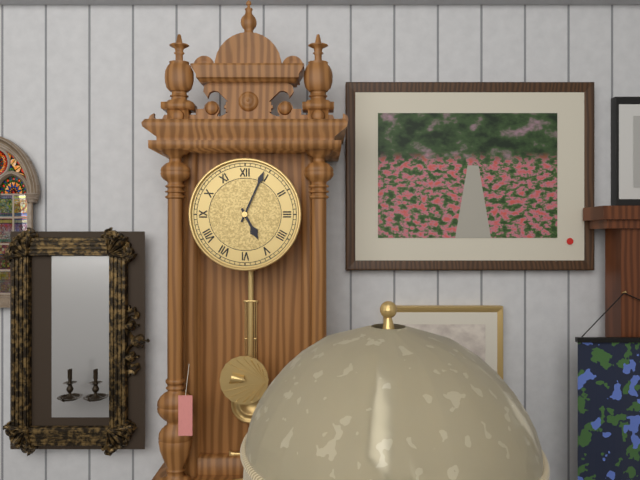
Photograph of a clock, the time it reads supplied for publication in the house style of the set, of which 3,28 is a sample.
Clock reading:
5,04
